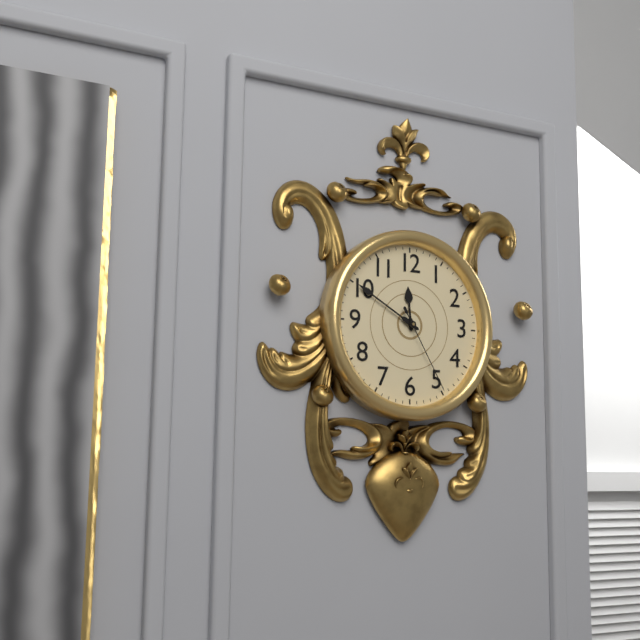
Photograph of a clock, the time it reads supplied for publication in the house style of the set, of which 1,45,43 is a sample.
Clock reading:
11,50,25
